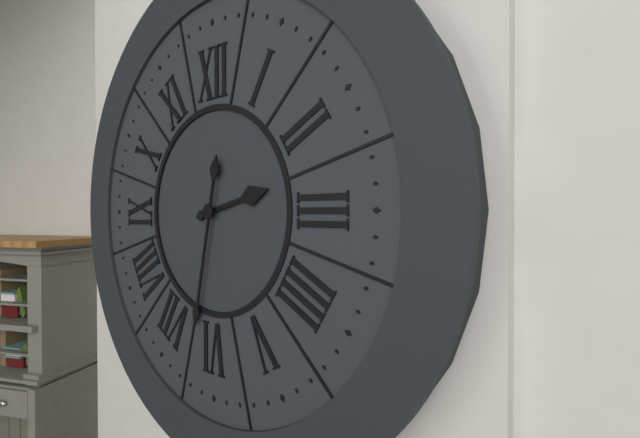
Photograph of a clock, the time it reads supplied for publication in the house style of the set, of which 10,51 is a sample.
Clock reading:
2,32
